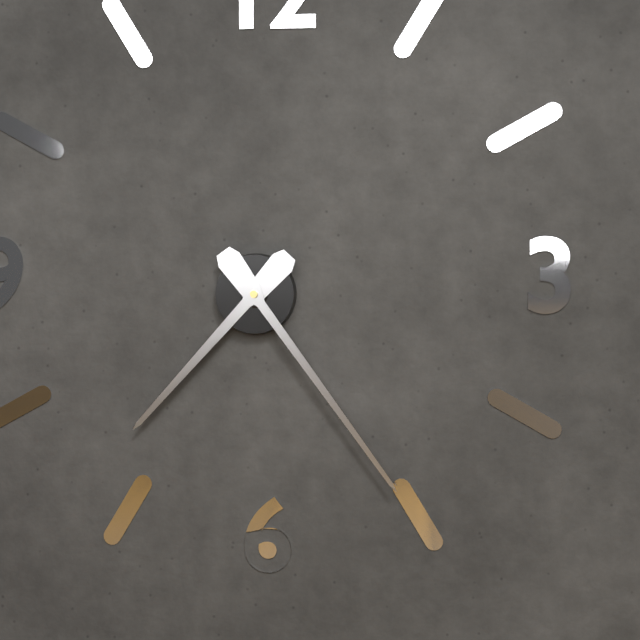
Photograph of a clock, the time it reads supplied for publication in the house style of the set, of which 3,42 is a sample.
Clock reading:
7,24
